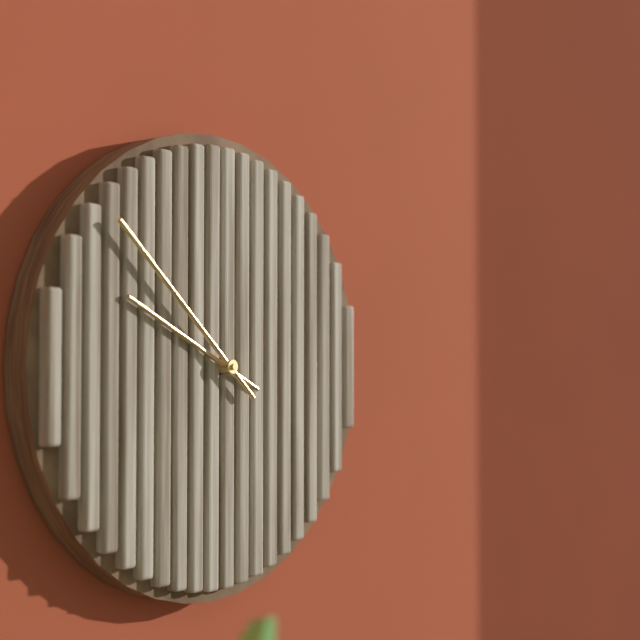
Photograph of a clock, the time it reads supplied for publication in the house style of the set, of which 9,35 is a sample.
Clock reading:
9,52
